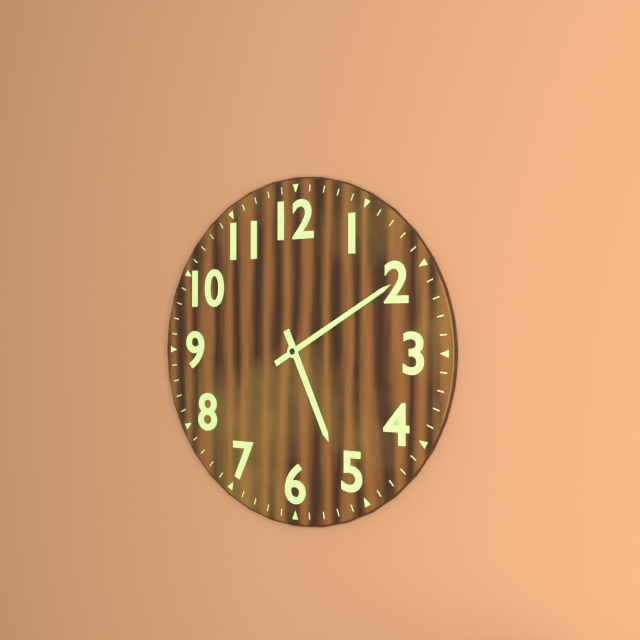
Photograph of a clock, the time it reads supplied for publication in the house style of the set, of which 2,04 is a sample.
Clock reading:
5,10
